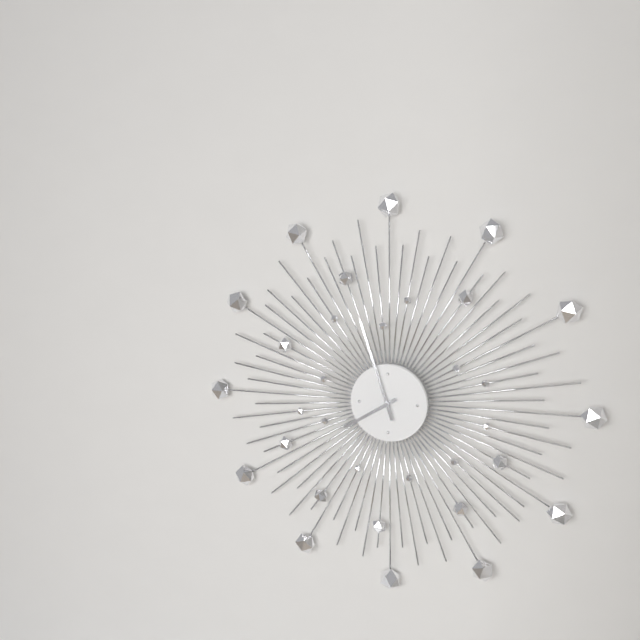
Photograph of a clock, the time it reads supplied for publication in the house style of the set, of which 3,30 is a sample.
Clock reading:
7,57
